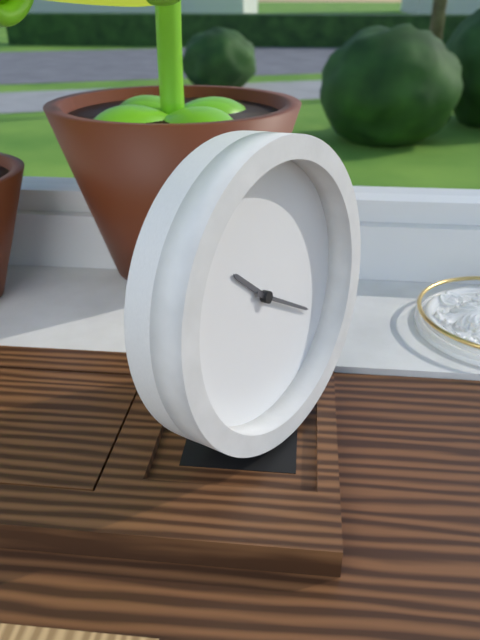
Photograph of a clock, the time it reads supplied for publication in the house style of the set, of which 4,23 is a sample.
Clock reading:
10,20
